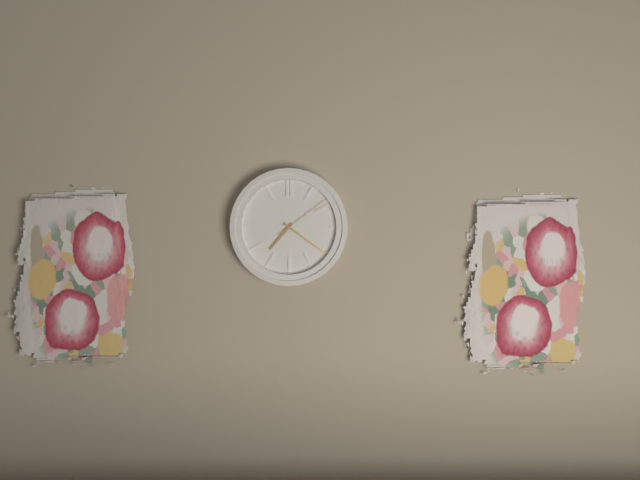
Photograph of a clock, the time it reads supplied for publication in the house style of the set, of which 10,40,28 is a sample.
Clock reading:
7,21,09
